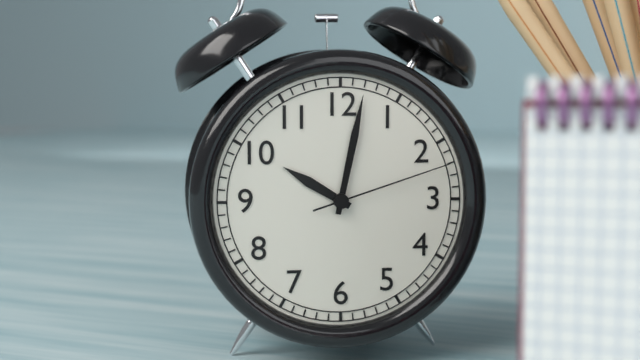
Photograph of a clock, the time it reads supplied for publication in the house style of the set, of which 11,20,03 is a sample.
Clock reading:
10,02,12
